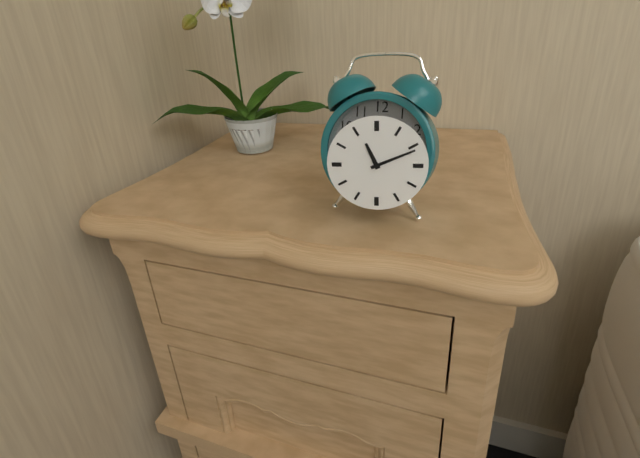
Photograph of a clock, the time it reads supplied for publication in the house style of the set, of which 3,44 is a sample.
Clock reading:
11,11
